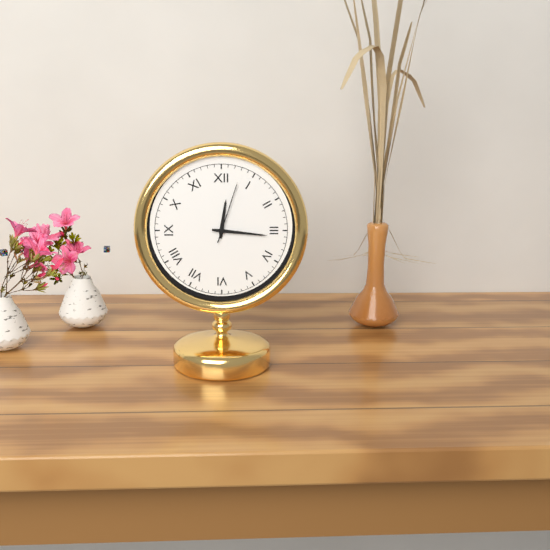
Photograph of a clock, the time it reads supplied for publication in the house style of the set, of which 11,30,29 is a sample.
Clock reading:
12,16,03
